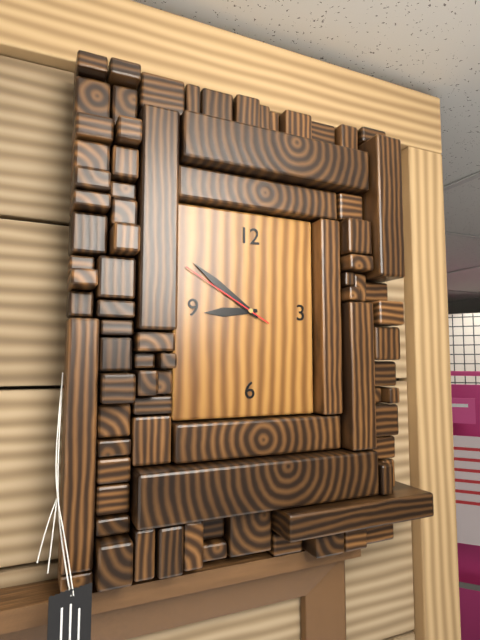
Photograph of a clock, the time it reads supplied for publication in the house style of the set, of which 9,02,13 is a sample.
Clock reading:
8,51,50
